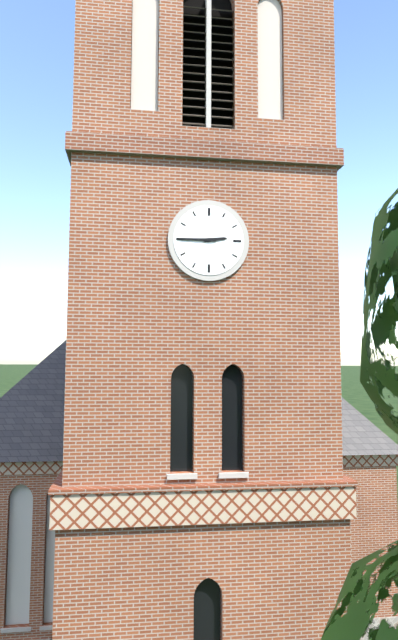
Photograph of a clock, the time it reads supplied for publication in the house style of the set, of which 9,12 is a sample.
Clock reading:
2,45
